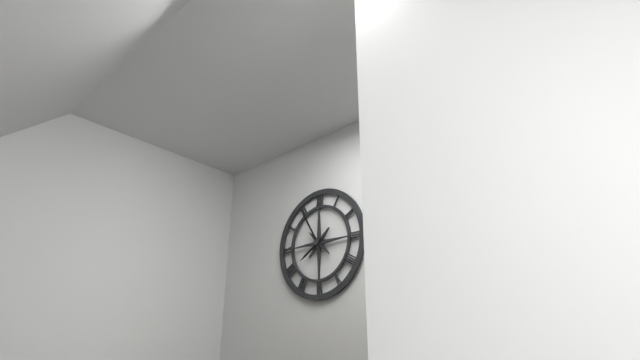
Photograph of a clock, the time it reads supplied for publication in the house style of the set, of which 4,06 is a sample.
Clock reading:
7,55
